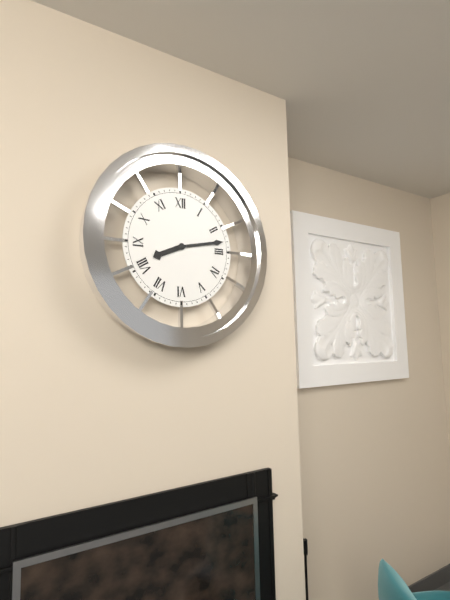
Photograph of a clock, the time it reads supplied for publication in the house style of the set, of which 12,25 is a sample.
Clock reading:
8,13
